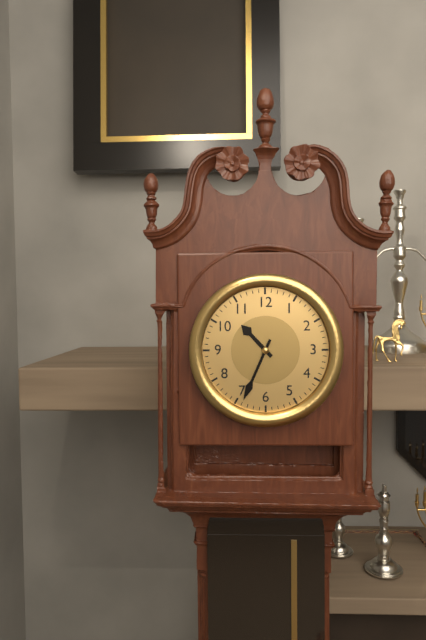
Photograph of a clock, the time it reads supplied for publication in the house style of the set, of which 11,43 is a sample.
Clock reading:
10,34
